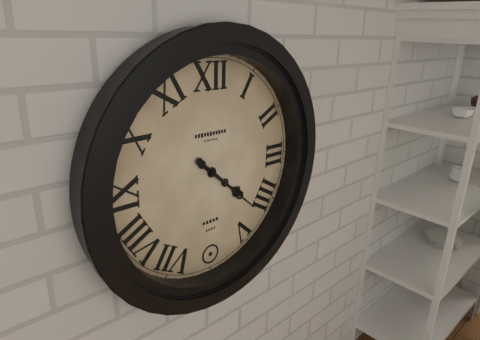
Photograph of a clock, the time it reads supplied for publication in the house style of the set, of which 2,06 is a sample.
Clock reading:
4,22
